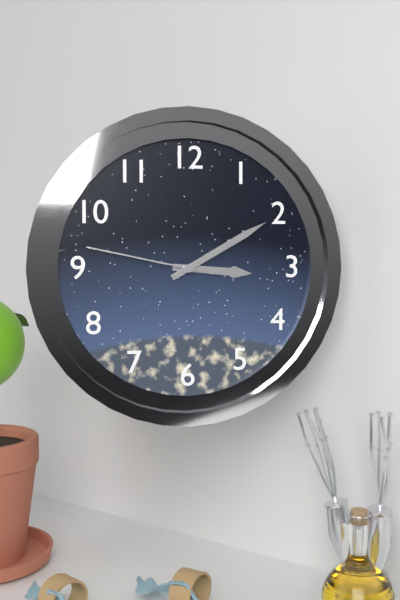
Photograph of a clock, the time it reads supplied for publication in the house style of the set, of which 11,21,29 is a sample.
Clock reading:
3,10,47
